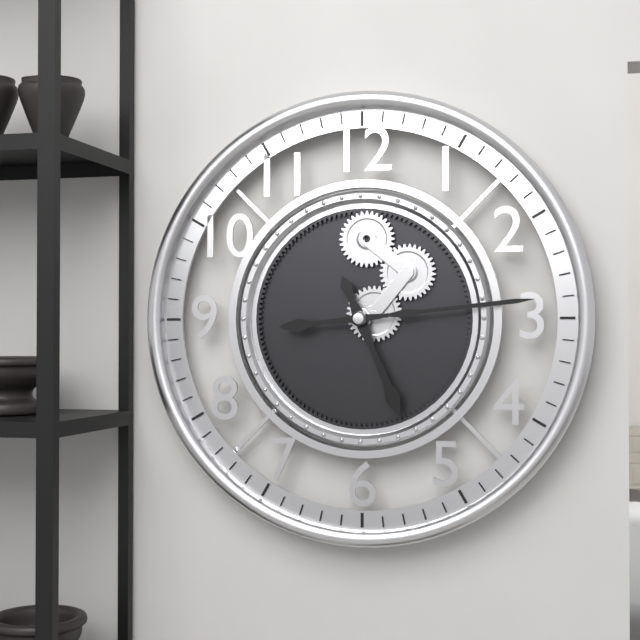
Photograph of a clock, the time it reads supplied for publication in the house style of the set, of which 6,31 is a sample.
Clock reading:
5,14
